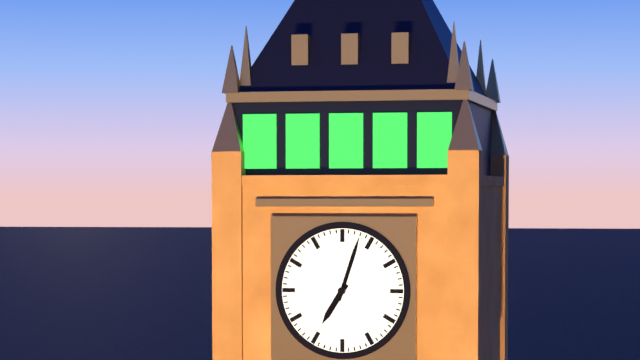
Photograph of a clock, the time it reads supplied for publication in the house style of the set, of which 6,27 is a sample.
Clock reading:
7,03
